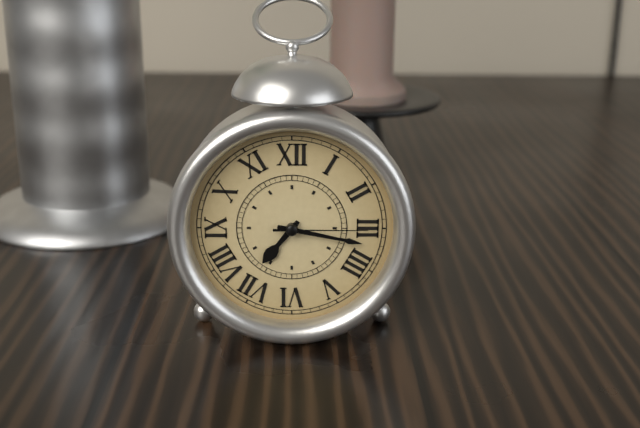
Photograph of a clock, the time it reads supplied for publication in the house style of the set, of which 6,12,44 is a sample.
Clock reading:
7,17,15
